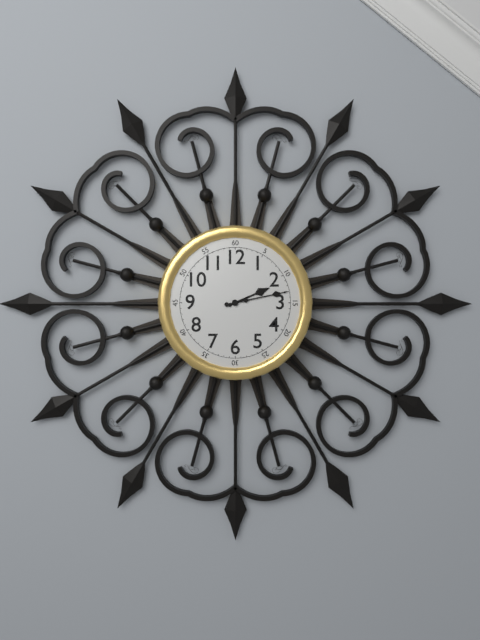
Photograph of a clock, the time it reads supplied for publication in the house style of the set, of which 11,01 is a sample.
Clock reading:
2,13
